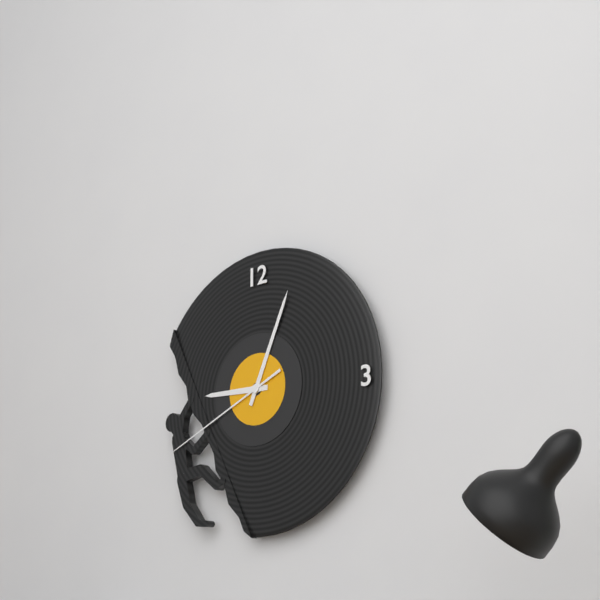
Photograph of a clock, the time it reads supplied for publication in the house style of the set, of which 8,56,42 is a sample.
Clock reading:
9,04,41
